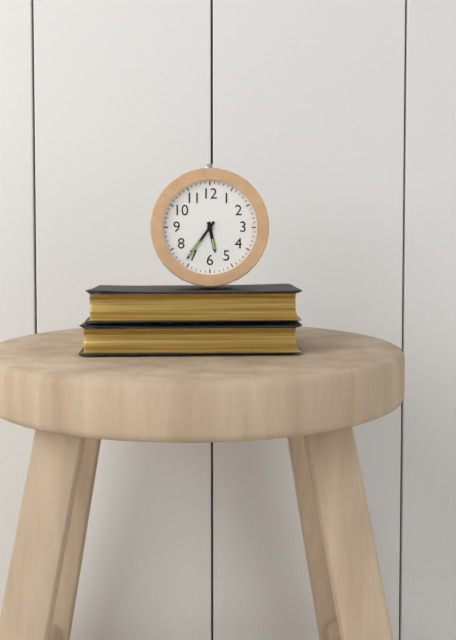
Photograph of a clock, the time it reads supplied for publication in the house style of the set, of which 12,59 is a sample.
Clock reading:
5,36
